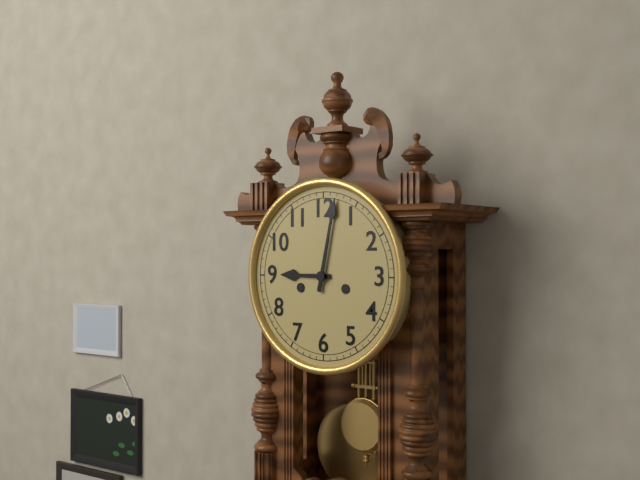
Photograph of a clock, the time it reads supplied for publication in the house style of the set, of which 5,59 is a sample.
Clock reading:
9,02
